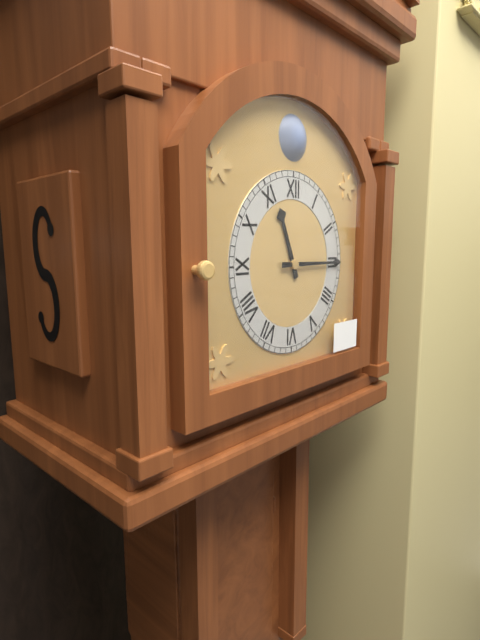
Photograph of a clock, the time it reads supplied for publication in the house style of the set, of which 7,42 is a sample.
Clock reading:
11,15
